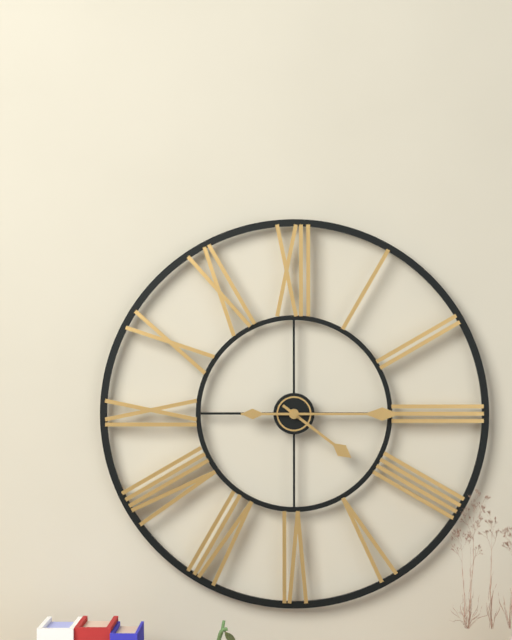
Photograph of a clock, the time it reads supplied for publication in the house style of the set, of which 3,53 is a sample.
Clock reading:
4,15
